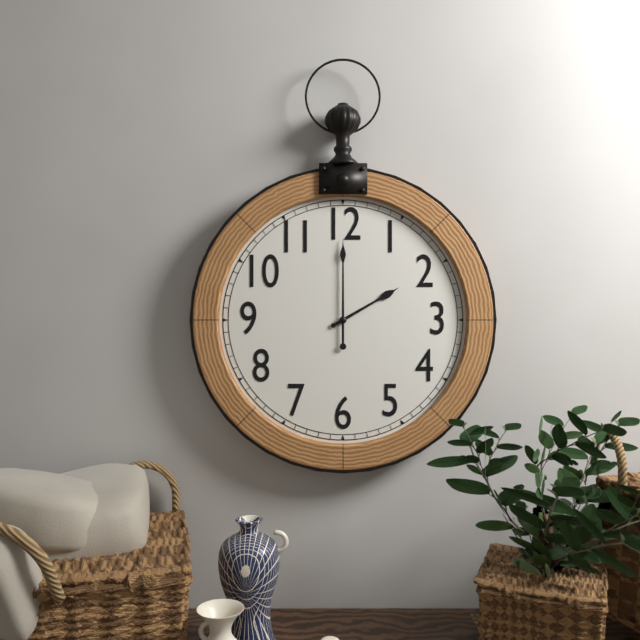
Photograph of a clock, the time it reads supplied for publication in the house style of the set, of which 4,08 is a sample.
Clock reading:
2,00
